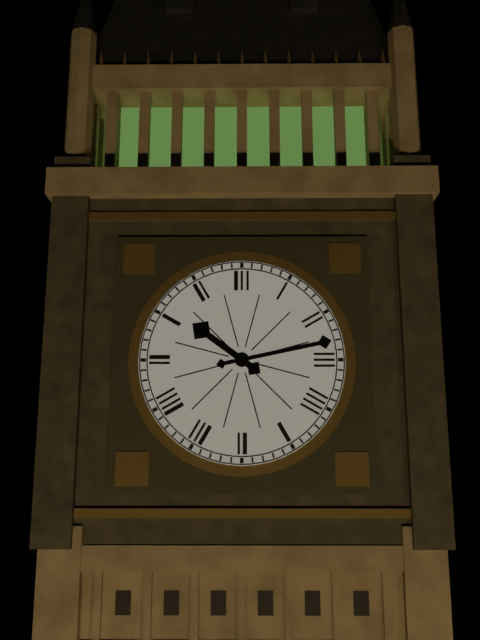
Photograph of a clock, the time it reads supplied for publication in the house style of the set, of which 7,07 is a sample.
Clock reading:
10,13
